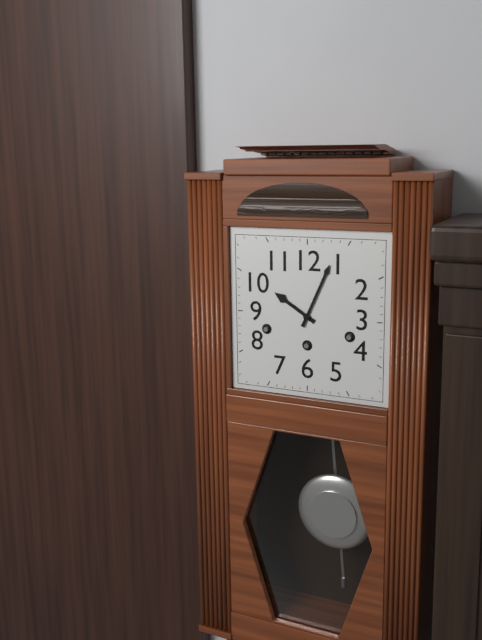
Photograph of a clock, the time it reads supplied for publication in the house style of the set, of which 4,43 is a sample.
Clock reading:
10,04
